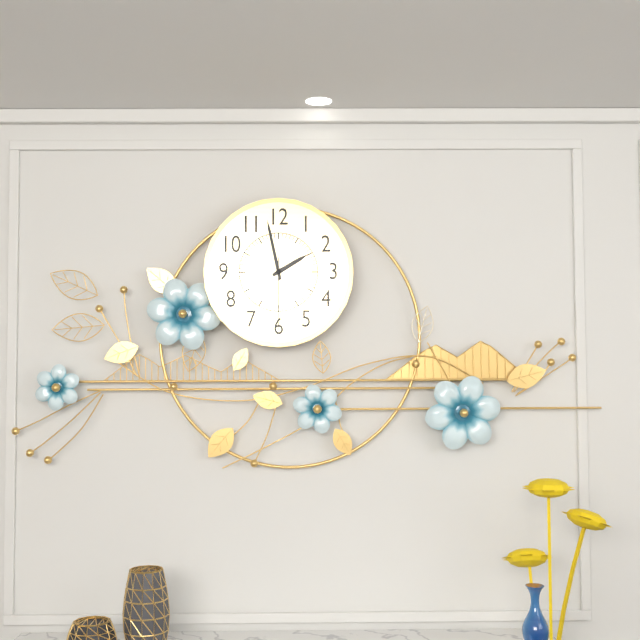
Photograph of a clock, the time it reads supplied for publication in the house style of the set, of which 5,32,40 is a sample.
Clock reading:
1,58,30
